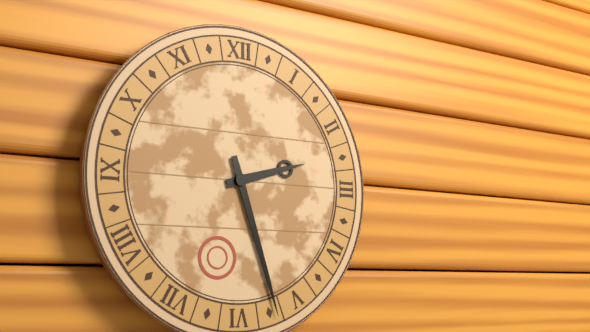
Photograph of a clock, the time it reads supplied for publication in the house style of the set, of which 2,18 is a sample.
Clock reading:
2,27
